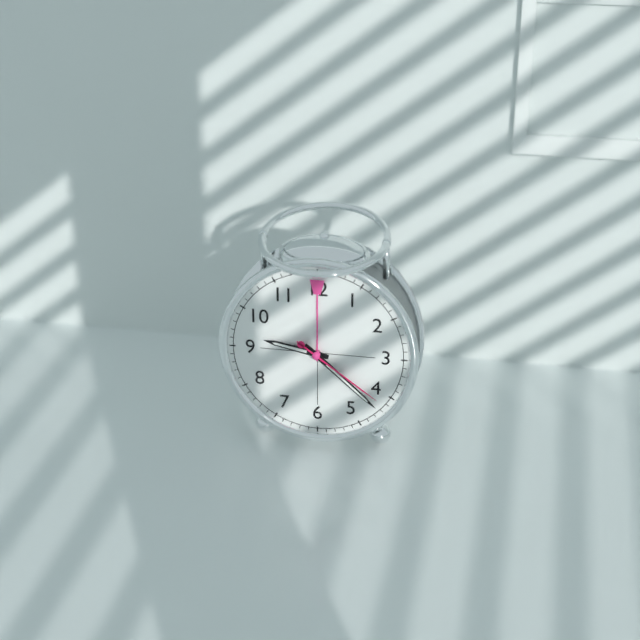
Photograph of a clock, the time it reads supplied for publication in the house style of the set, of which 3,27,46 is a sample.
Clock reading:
9,22,21
